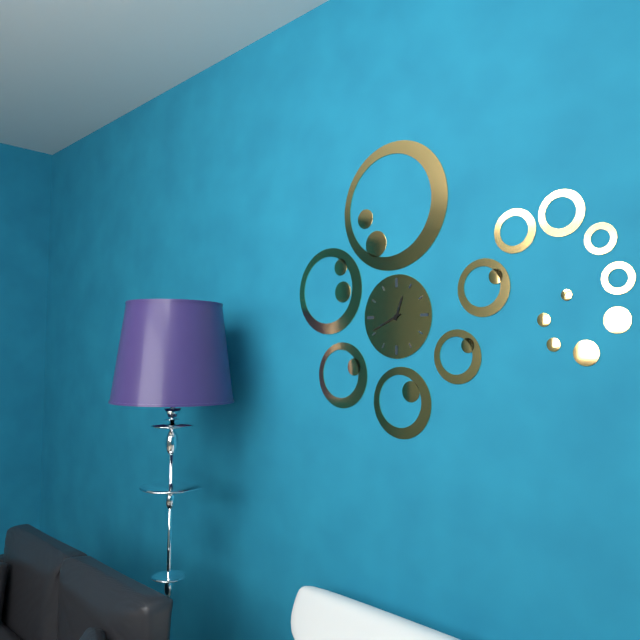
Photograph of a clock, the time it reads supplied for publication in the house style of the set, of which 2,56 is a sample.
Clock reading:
12,41
